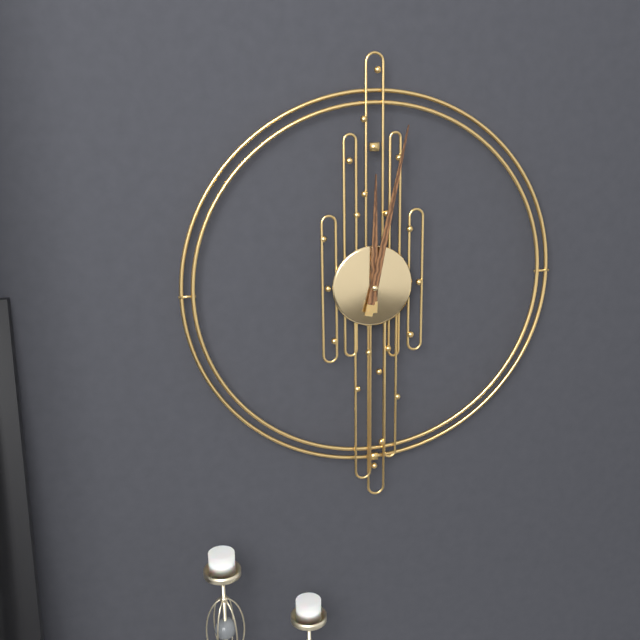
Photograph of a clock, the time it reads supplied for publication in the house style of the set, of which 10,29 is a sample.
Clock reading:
12,02
